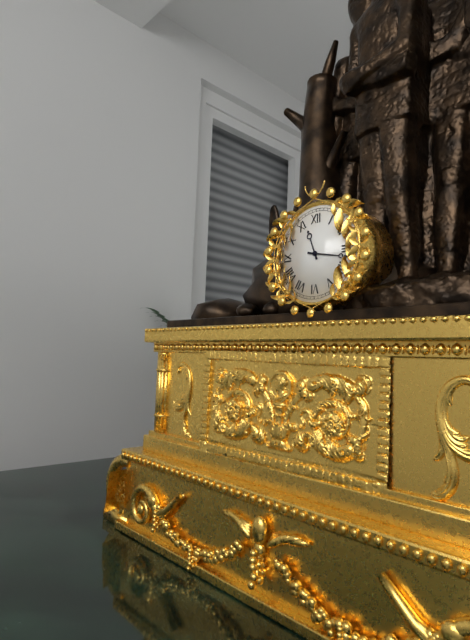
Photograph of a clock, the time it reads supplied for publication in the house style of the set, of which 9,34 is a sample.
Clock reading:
11,17
